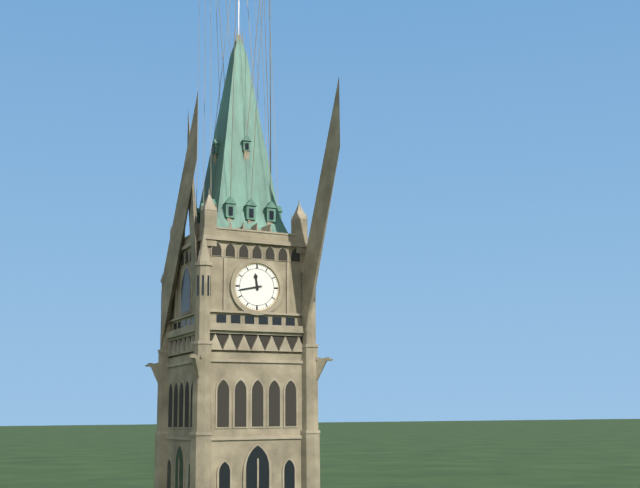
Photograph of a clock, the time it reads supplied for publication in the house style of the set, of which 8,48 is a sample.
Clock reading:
11,43
